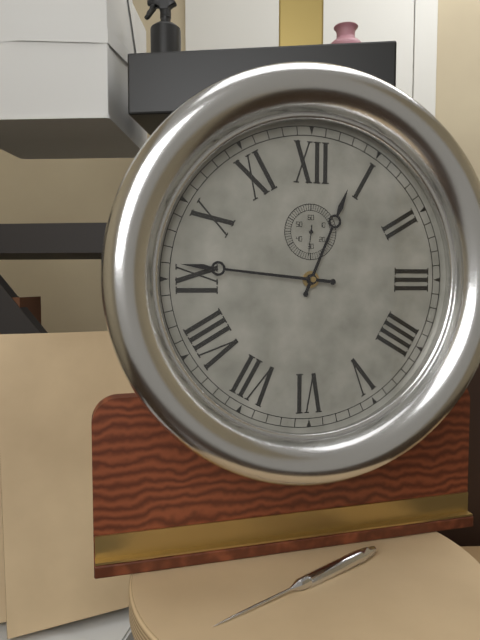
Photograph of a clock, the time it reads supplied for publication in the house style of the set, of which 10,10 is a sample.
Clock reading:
12,46
